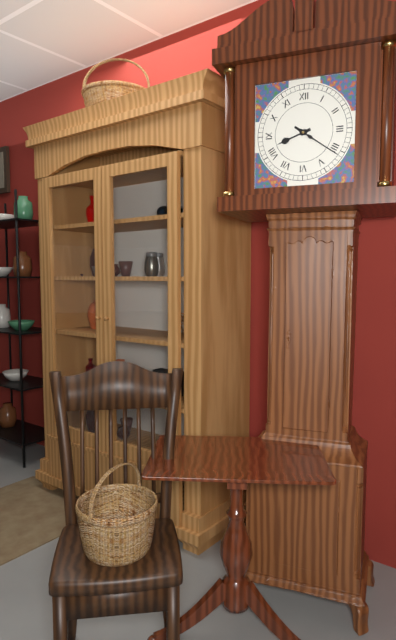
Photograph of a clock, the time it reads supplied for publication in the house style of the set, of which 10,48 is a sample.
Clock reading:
8,21
